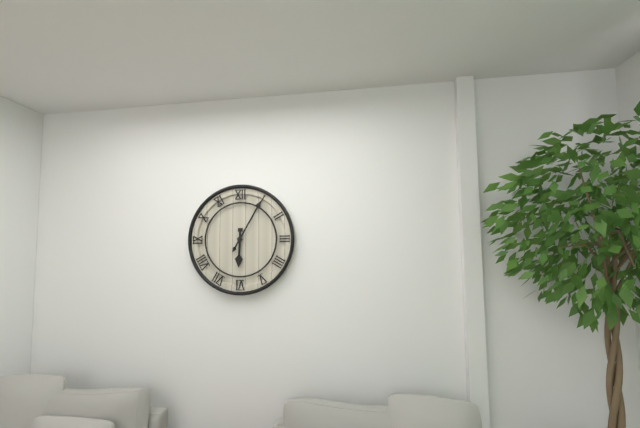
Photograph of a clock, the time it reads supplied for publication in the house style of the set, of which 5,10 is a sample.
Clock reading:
6,05
